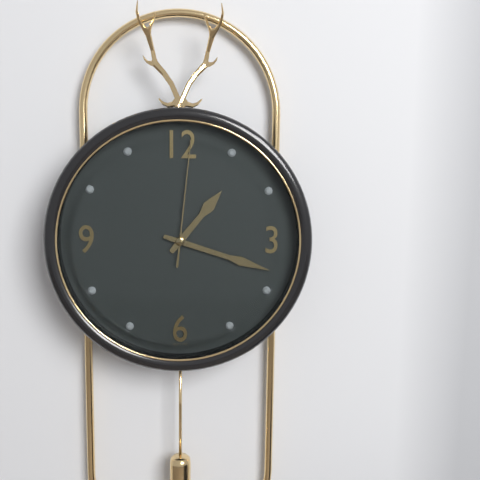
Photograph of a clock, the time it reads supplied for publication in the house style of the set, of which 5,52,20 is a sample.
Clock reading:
1,18,01
